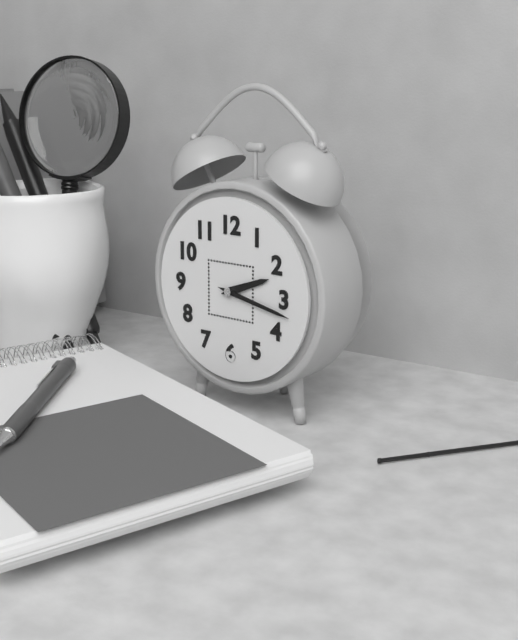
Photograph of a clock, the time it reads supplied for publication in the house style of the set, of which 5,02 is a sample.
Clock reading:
2,17
